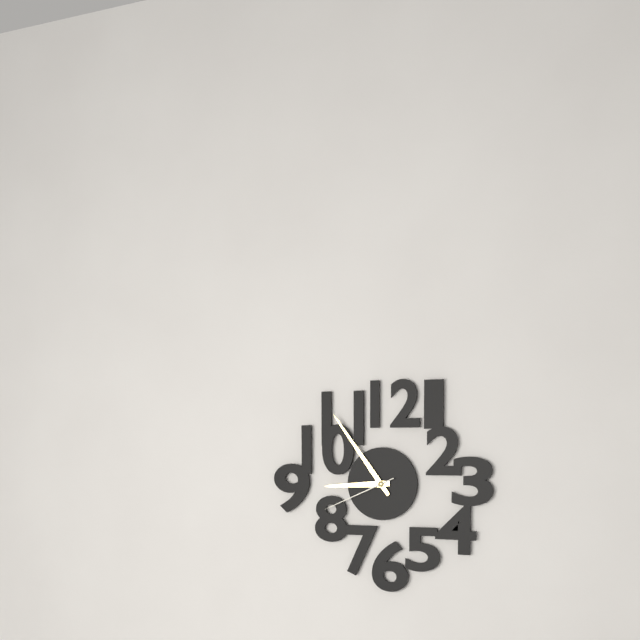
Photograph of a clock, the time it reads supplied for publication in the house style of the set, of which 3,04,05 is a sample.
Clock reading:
8,54,41
